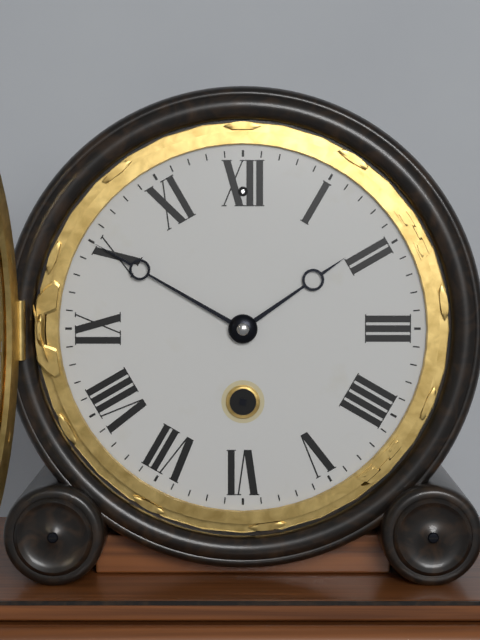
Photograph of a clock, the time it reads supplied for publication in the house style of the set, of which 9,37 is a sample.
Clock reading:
1,50
